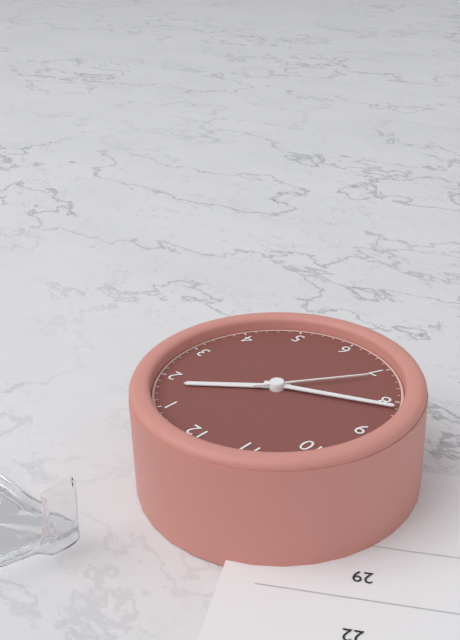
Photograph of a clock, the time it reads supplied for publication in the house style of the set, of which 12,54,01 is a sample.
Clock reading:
1,41,36
